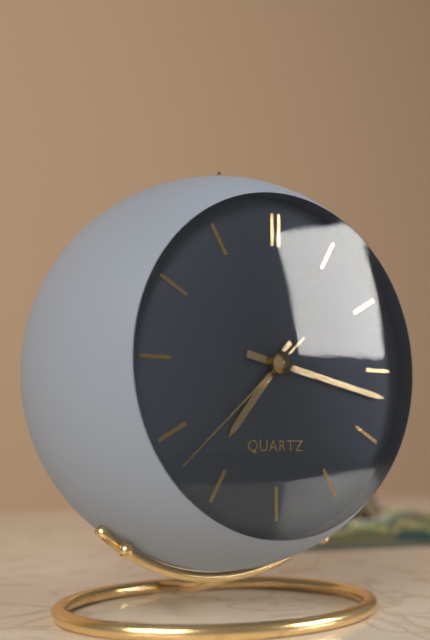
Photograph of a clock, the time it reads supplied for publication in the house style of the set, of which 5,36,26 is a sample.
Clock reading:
7,17,38
